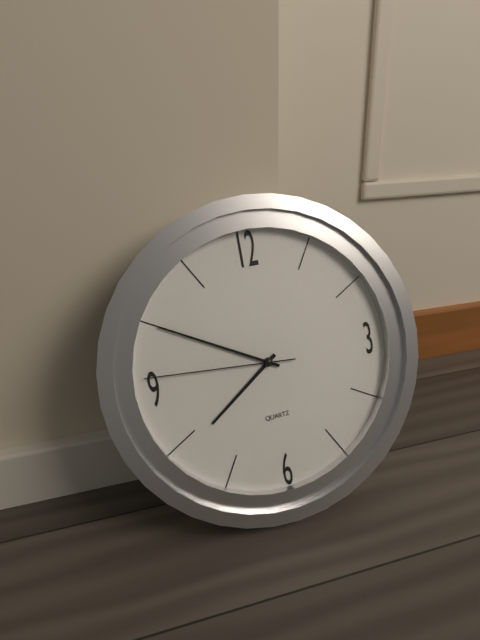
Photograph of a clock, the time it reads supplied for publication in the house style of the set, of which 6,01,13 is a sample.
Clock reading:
7,50,46
